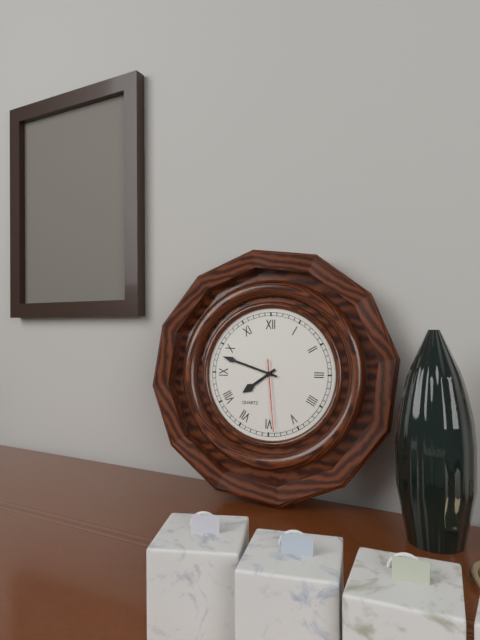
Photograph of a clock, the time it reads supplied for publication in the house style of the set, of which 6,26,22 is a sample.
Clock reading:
7,48,29
